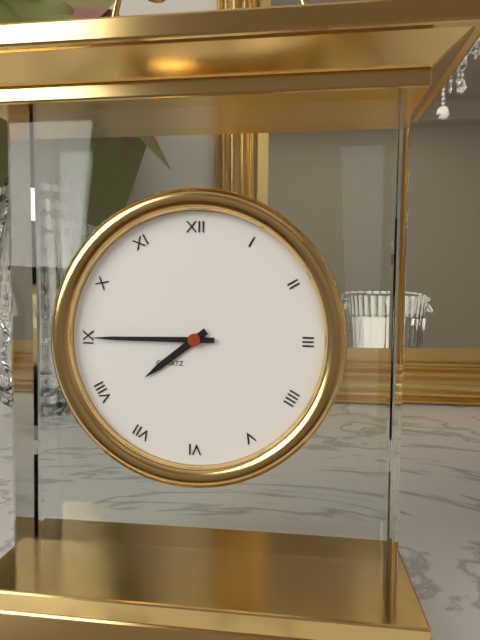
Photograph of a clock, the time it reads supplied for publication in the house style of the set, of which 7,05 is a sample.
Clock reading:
7,45
